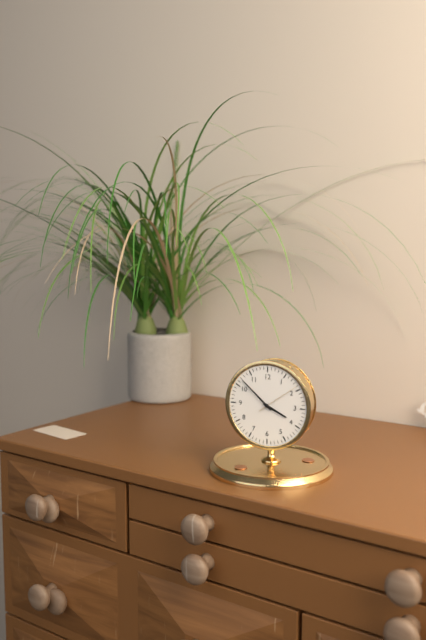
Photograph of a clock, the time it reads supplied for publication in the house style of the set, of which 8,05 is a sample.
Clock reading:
3,52
